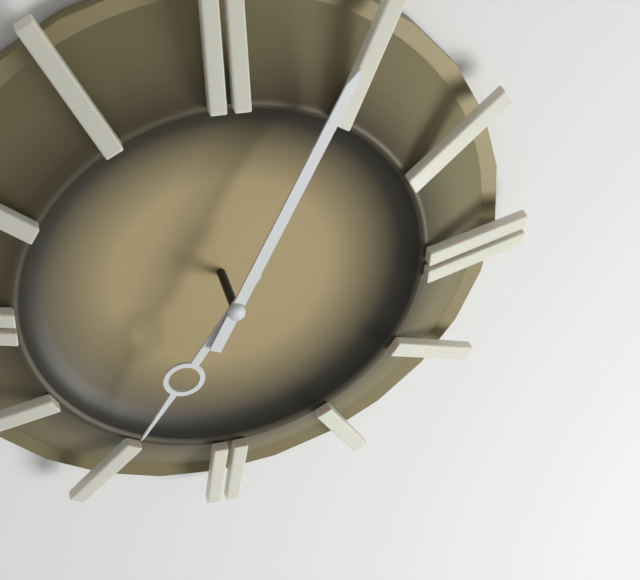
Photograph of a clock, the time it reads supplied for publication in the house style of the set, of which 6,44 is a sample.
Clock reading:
7,04
